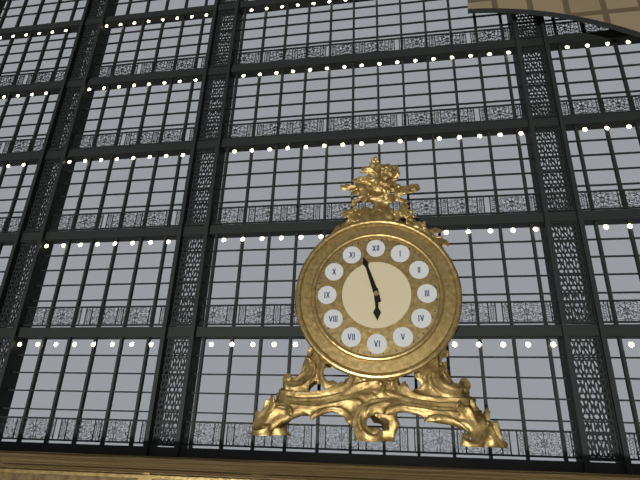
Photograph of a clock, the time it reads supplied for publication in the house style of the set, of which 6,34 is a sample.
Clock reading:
5,57
